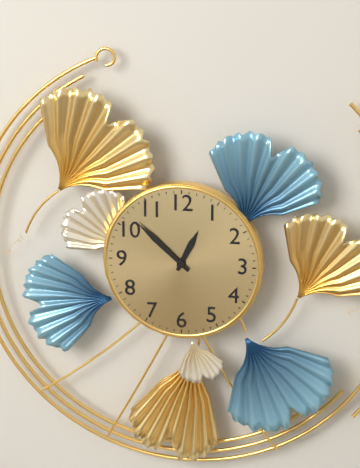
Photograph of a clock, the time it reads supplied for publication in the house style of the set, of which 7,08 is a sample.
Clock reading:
12,52
